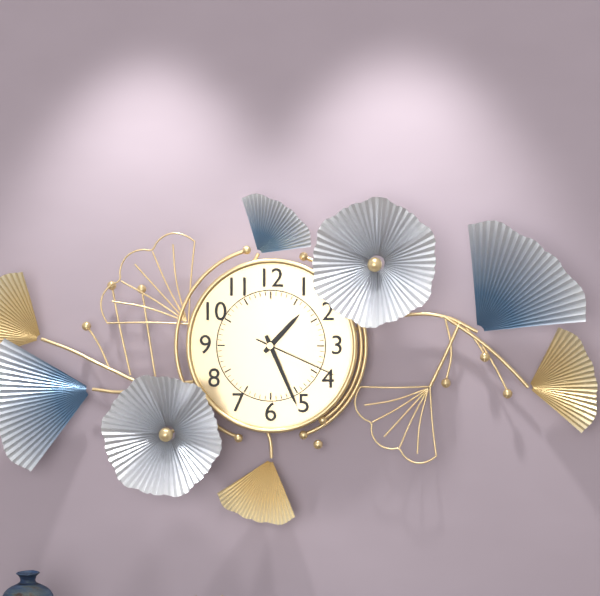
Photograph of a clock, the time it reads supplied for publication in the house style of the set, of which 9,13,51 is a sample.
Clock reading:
1,26,19
